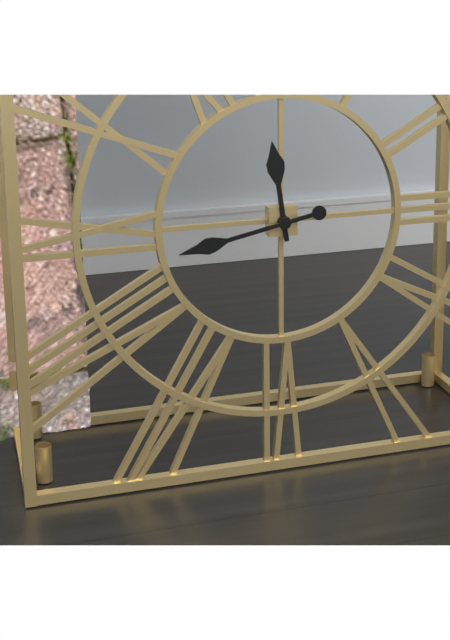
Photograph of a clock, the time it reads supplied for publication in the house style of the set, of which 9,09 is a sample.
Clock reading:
11,43
